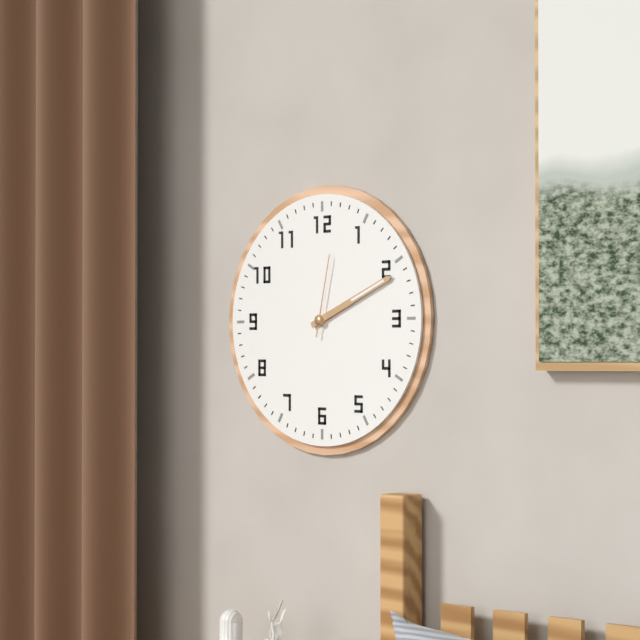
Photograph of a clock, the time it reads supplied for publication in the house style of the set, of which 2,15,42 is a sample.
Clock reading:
2,11,02
